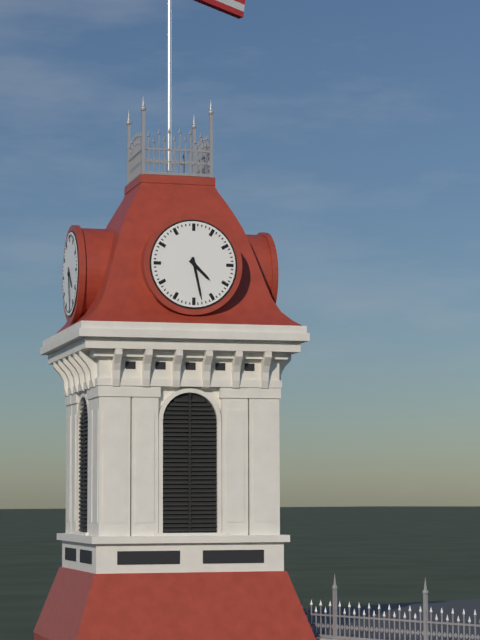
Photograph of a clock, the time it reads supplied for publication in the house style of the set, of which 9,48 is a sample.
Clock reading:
4,28
